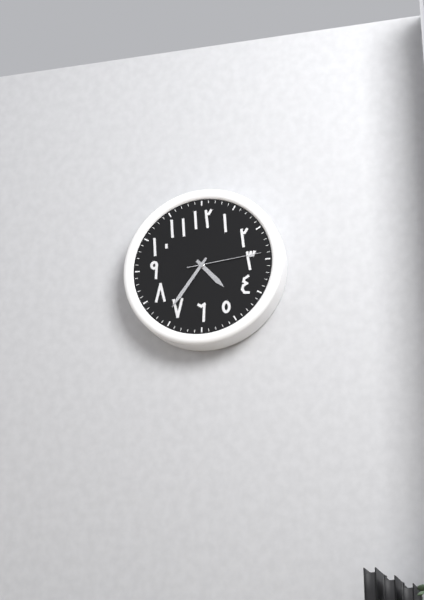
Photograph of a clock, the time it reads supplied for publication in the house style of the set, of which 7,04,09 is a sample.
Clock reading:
4,36,14
